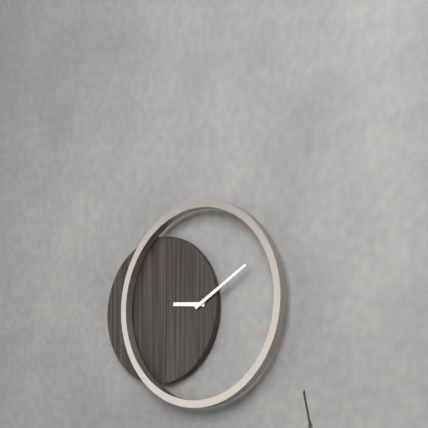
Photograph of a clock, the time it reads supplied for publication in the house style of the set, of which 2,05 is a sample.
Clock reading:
9,10
